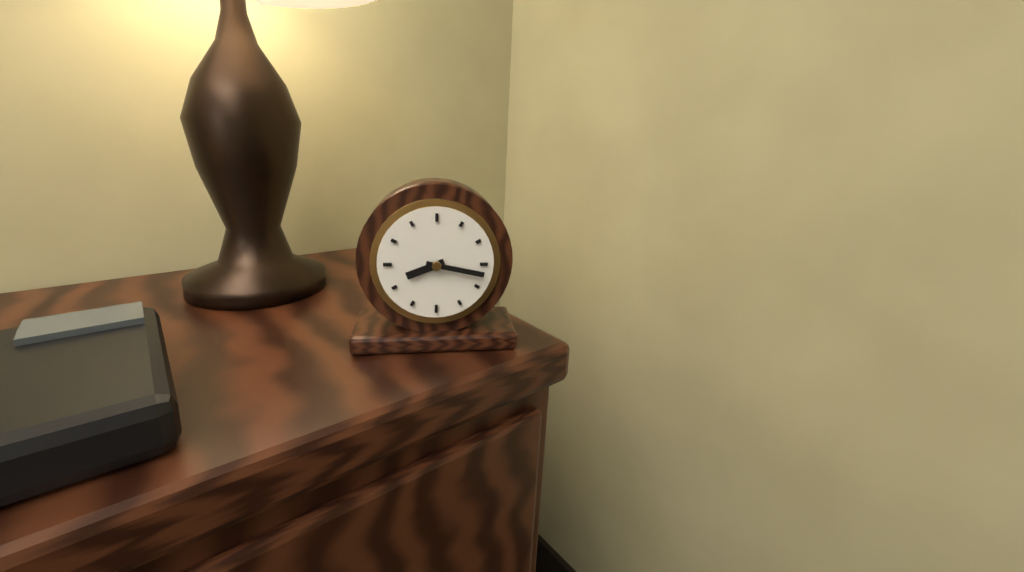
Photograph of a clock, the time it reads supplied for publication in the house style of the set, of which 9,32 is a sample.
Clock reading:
8,17
